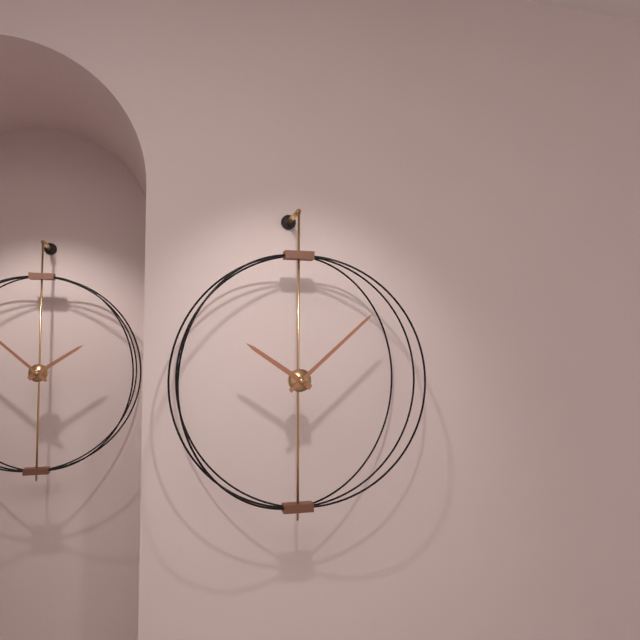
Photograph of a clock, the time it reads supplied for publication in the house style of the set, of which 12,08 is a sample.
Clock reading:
10,08
